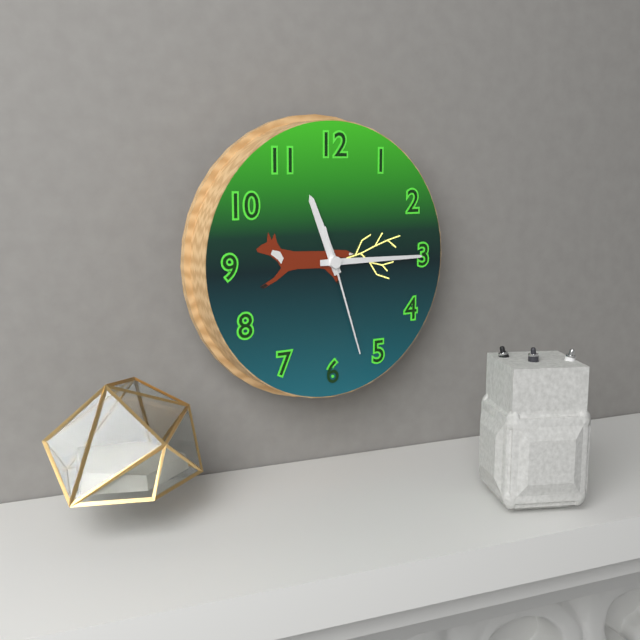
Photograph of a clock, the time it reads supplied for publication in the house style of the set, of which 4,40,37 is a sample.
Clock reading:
11,15,27
